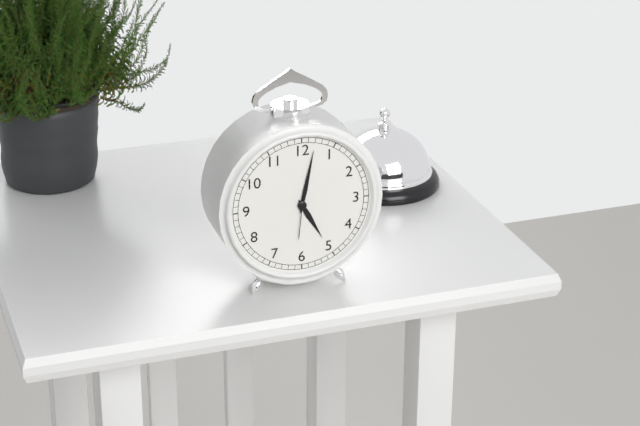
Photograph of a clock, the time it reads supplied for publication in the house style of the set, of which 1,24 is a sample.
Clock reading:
5,02
